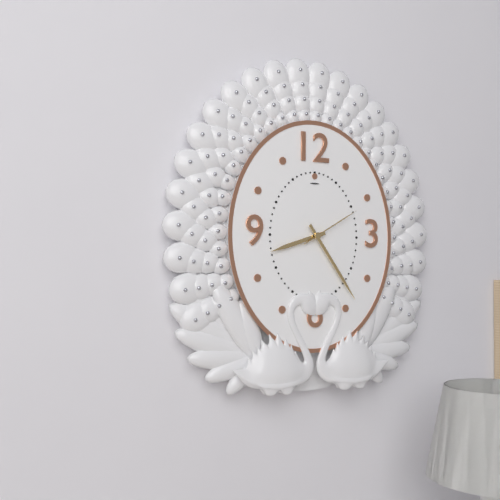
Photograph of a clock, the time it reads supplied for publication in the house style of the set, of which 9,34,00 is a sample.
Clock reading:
8,24,10
